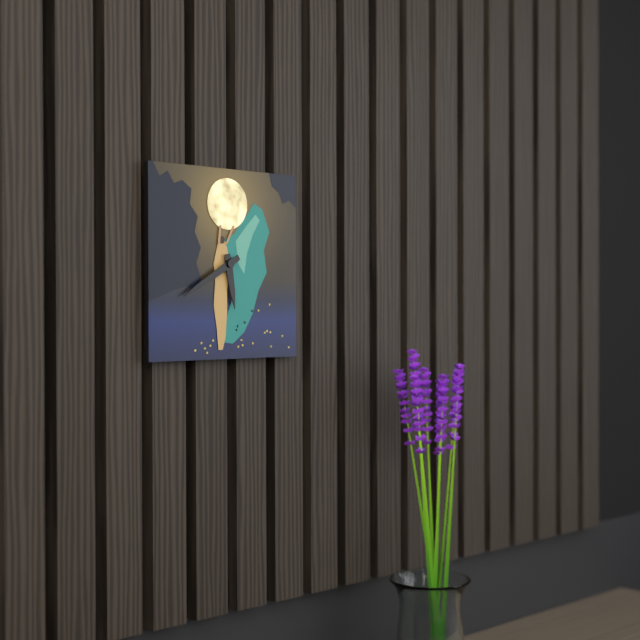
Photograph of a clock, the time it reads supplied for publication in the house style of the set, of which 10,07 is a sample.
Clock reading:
5,40
